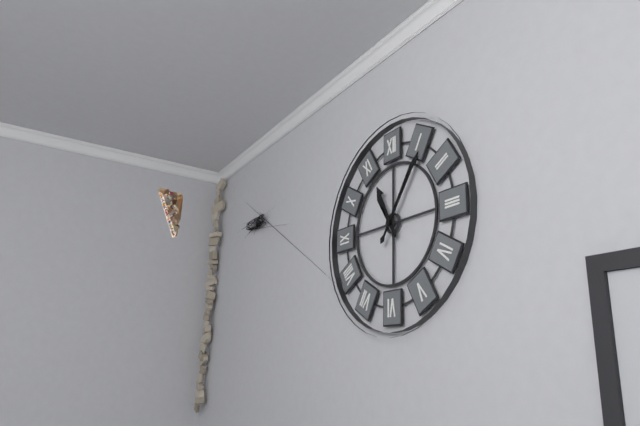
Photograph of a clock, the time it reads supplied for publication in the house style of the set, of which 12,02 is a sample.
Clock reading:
11,06
